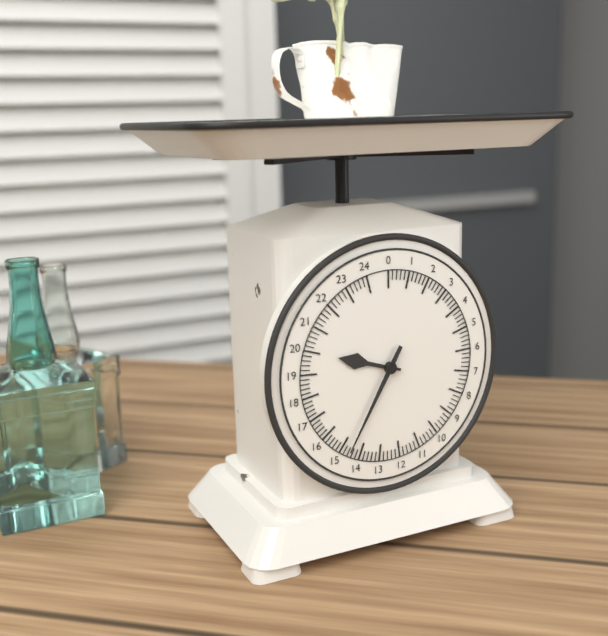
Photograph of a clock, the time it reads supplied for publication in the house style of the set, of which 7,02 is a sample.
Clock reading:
9,35
